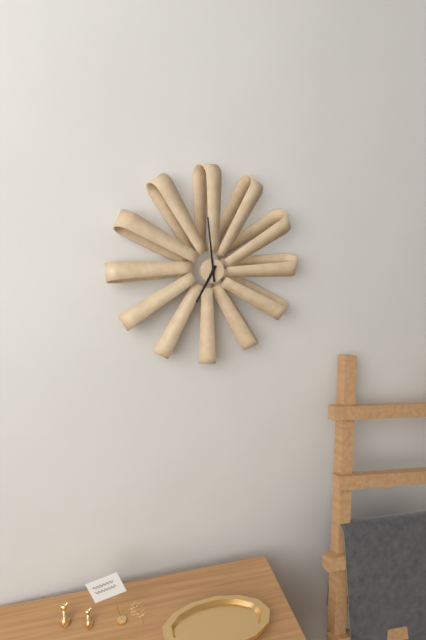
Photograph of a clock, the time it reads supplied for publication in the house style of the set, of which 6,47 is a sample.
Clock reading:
6,59
